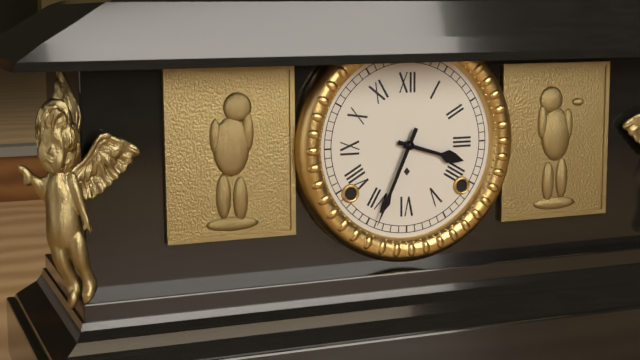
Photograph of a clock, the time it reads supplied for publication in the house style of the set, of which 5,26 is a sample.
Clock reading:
3,34
